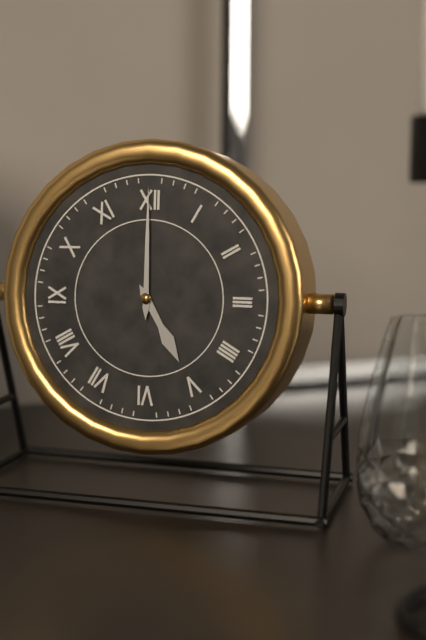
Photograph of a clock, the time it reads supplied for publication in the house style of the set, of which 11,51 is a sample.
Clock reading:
5,00
